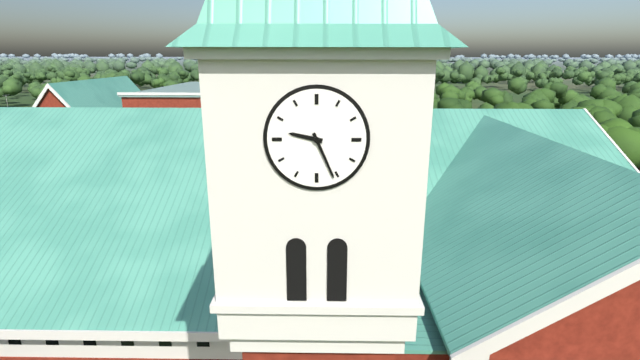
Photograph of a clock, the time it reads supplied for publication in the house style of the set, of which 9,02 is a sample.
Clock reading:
9,26
